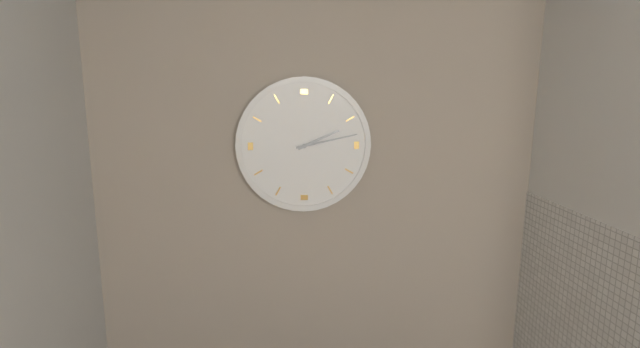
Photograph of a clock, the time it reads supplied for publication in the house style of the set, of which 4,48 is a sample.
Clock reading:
2,13
